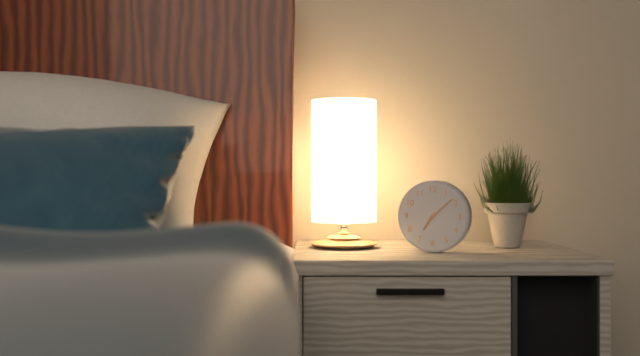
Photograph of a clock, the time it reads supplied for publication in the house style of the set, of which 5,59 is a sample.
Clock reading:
7,08
